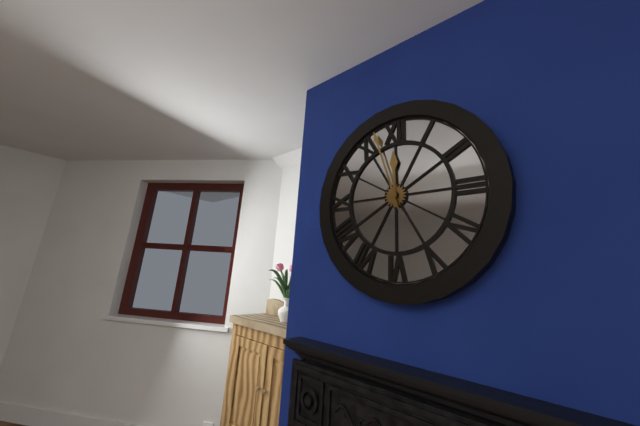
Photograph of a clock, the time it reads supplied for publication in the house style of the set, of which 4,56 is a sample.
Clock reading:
11,57
